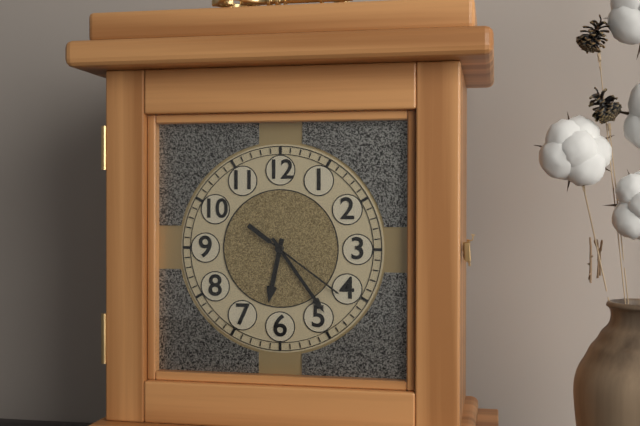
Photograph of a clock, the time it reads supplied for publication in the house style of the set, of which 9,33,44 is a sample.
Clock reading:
6,24,21
